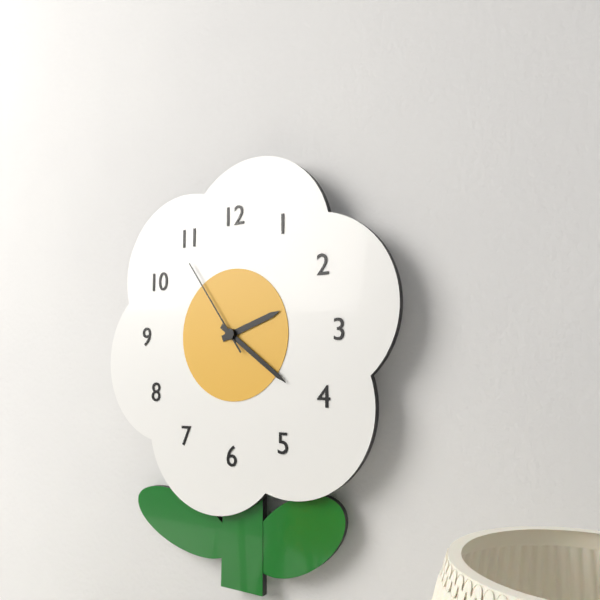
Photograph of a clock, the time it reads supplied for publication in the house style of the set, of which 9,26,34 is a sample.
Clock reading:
2,21,54
